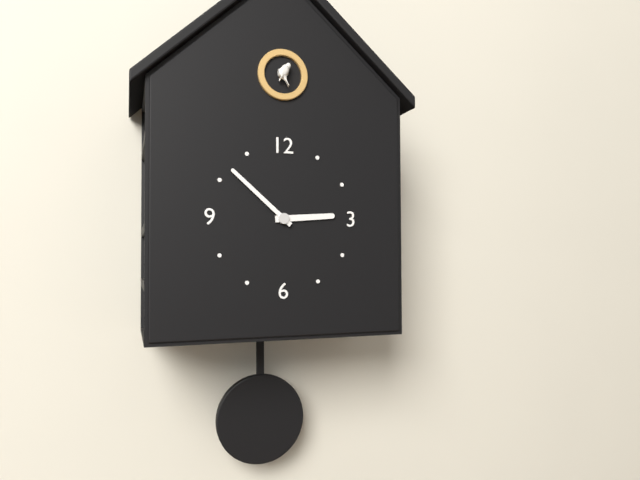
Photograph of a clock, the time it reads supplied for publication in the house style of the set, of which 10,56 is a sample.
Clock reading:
2,52
